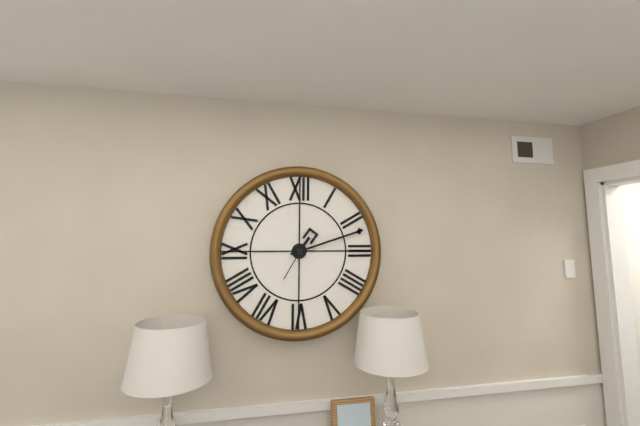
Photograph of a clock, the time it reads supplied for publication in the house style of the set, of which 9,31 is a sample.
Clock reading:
1,12
